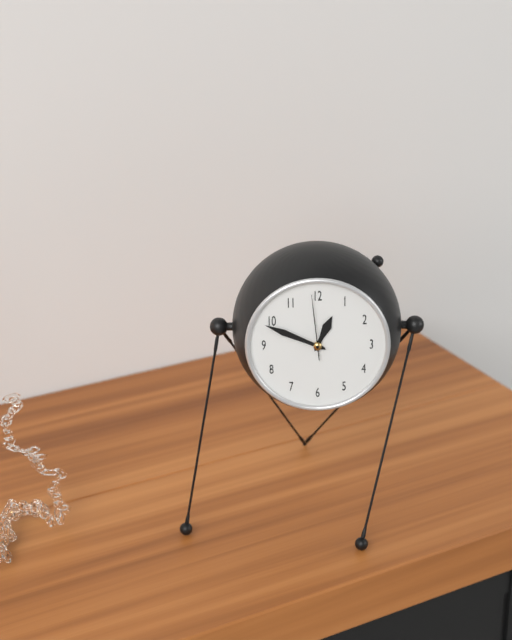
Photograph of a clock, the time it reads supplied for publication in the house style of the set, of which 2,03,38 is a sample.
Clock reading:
12,49,59
